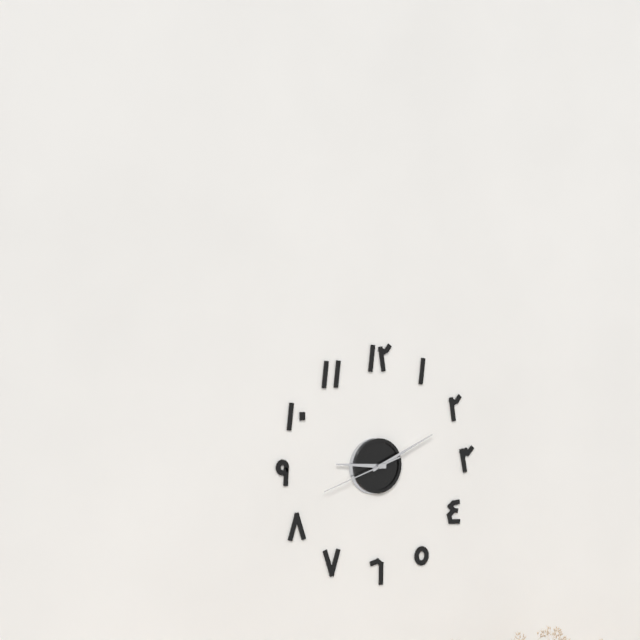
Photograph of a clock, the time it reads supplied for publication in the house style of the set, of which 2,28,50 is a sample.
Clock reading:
9,11,42
